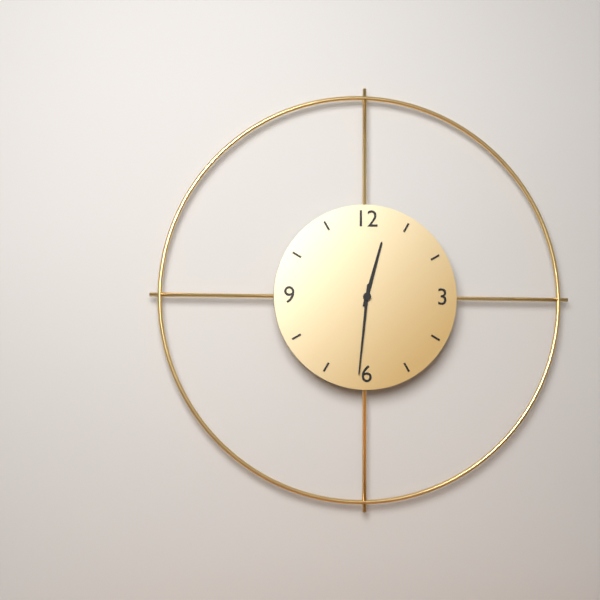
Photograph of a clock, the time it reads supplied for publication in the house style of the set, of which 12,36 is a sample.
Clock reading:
12,31
